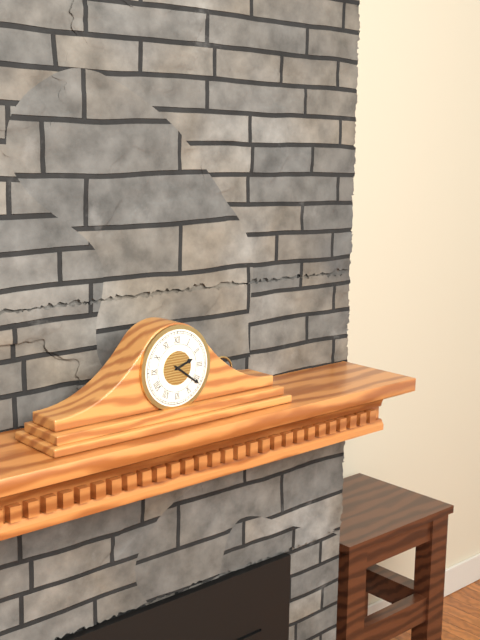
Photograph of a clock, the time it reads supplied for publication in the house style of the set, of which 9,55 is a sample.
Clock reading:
2,21
